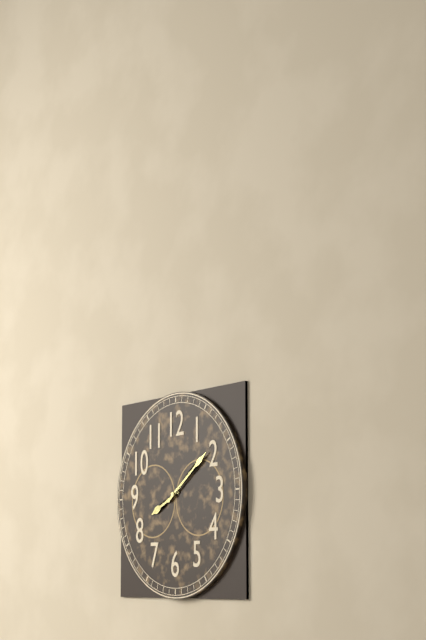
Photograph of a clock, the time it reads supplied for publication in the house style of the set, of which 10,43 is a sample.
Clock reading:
8,09
